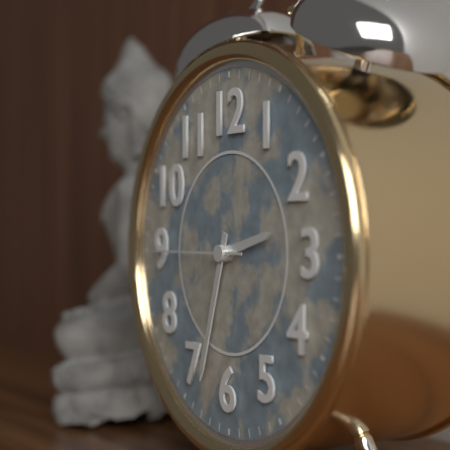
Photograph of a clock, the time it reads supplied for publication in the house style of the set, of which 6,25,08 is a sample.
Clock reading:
2,33,45
